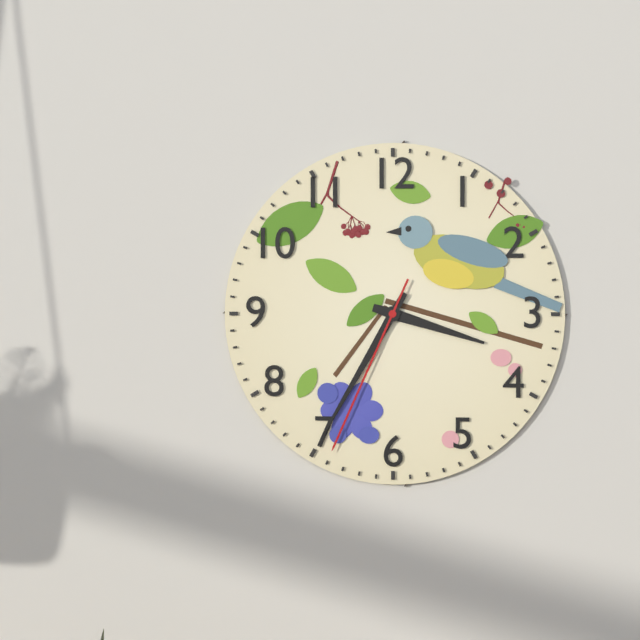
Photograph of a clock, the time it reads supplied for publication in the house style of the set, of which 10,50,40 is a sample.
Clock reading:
3,35,34
